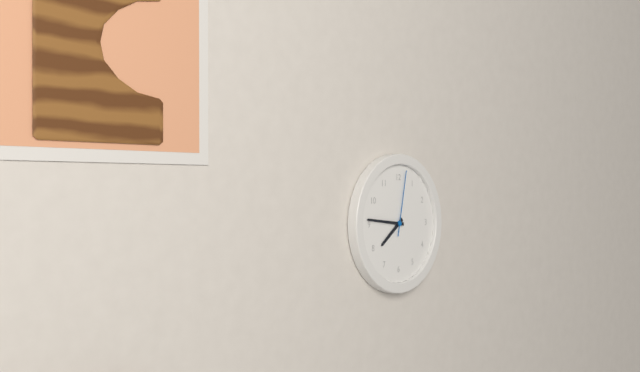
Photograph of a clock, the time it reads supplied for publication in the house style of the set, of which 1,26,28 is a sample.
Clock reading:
7,46,02
